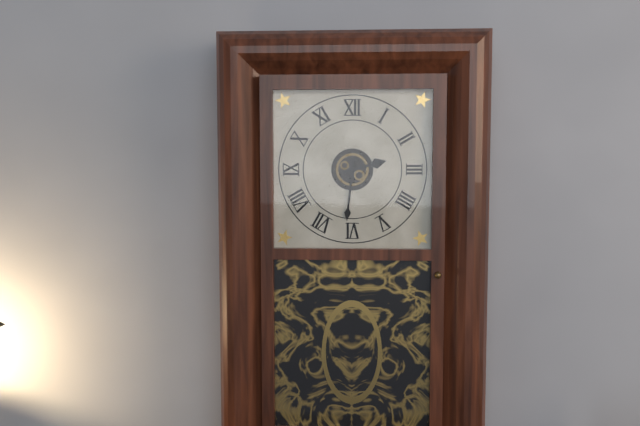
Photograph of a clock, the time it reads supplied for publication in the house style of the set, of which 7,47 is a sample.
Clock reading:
2,31
